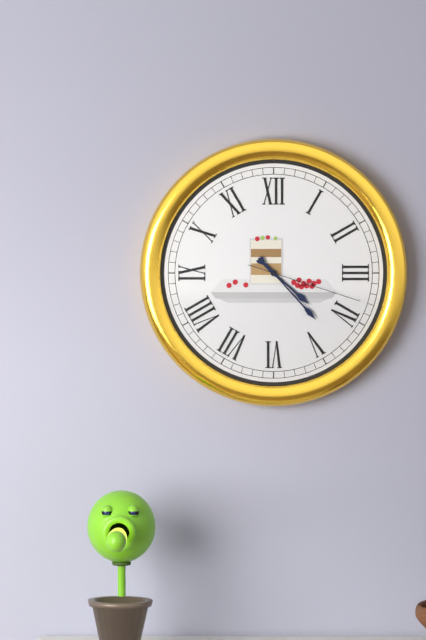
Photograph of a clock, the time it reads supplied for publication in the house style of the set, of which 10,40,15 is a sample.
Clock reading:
4,23,18
